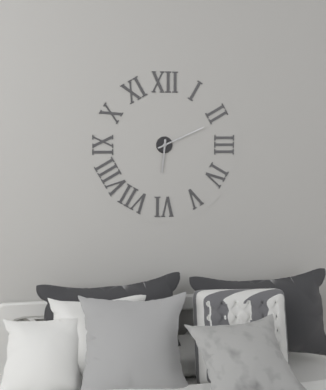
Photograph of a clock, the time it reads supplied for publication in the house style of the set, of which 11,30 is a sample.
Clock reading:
6,11
